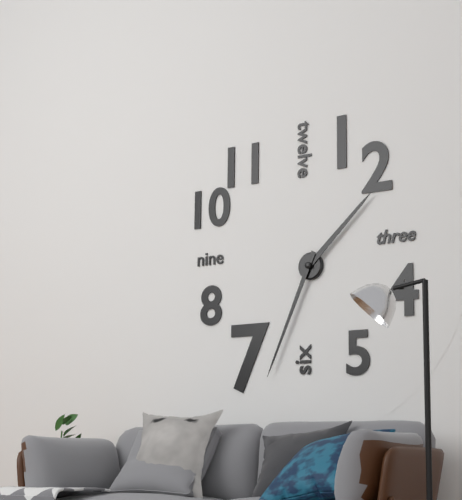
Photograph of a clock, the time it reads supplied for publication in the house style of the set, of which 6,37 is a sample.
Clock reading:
1,34
